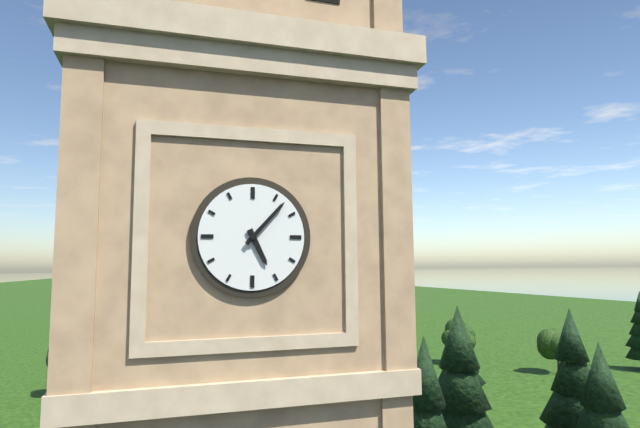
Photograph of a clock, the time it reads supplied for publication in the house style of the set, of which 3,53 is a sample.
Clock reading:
5,07
